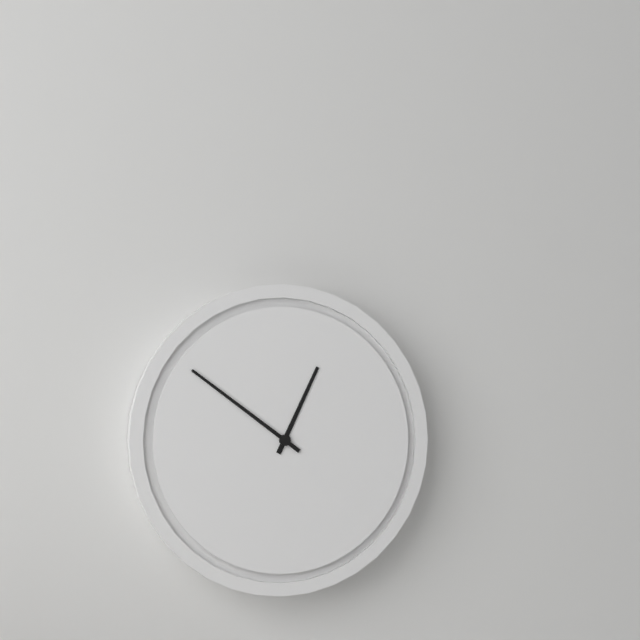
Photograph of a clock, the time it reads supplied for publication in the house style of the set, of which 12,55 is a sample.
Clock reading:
12,51
